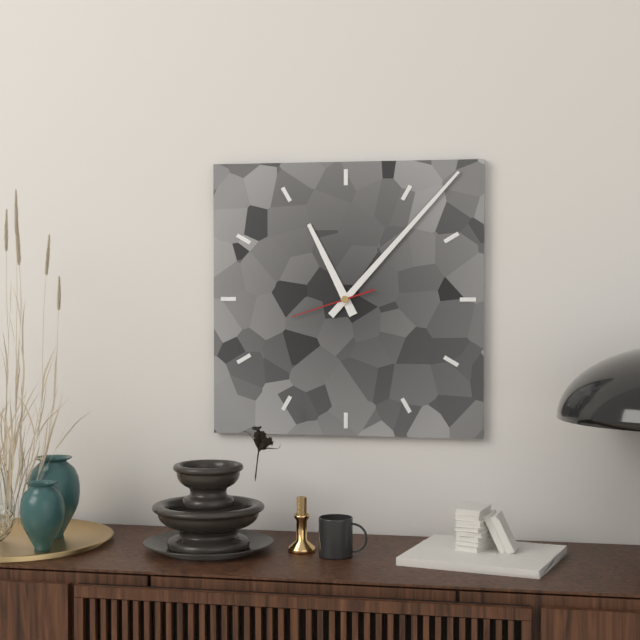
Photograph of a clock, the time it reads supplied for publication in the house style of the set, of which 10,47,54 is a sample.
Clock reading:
11,07,42
